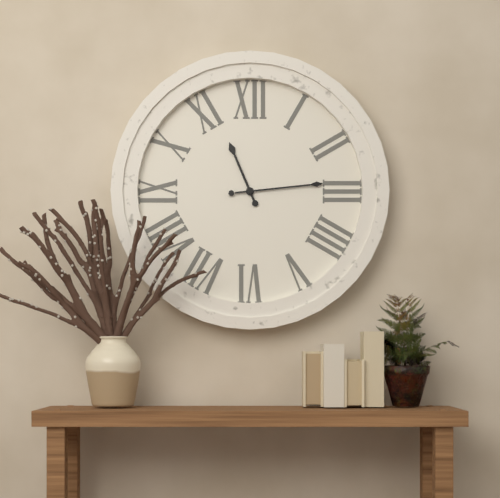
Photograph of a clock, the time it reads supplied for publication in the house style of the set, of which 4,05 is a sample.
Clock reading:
11,14
